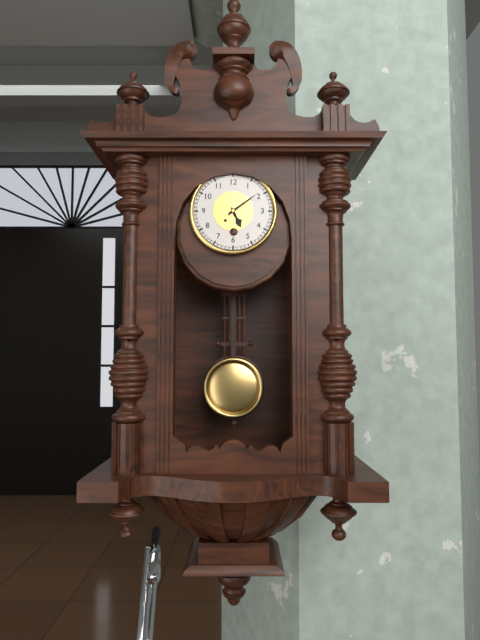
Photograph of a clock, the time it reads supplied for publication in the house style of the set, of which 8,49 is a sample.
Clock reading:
5,09
